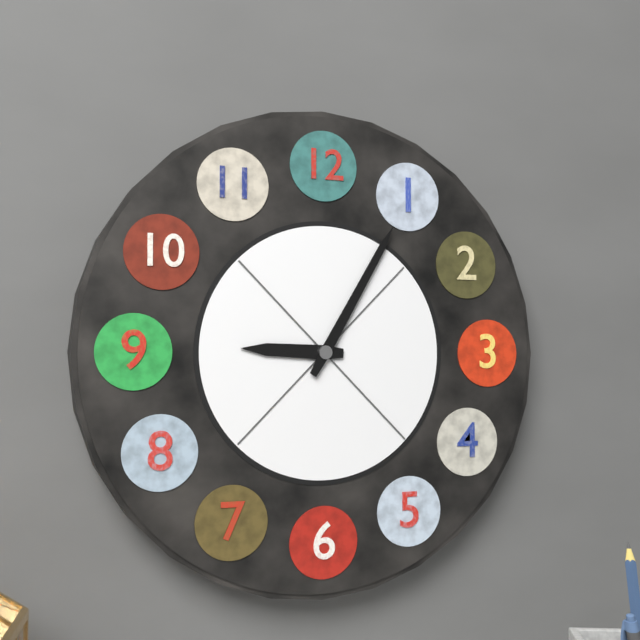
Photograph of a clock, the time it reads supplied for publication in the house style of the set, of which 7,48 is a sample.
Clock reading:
9,05
